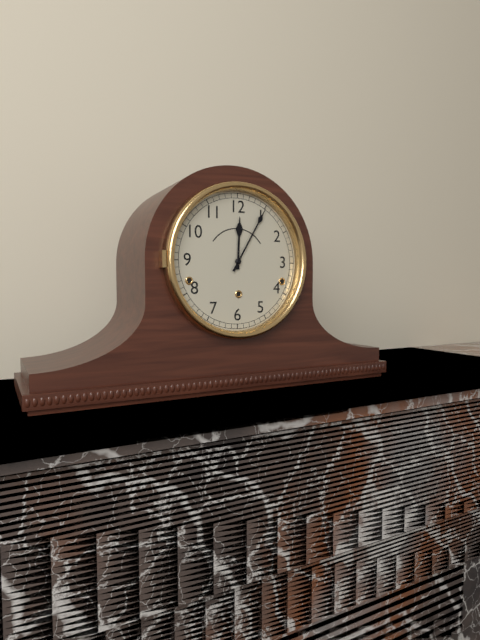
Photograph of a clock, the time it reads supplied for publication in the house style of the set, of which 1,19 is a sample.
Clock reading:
12,05
